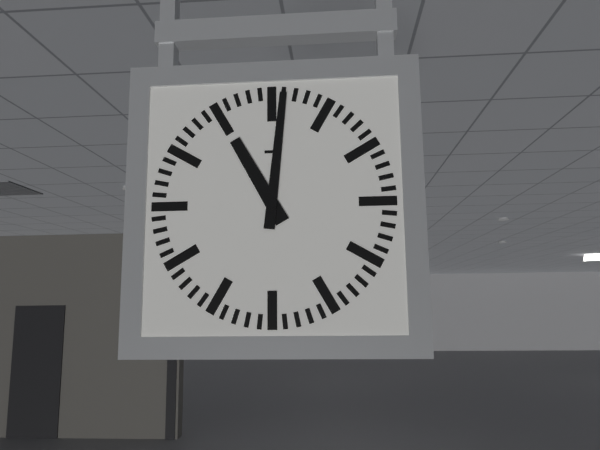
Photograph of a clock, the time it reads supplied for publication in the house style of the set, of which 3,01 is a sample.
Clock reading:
11,01
